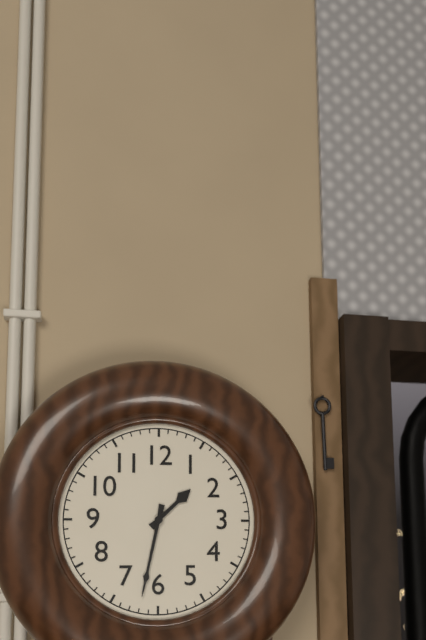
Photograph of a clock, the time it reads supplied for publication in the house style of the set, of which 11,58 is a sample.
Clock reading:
1,32
